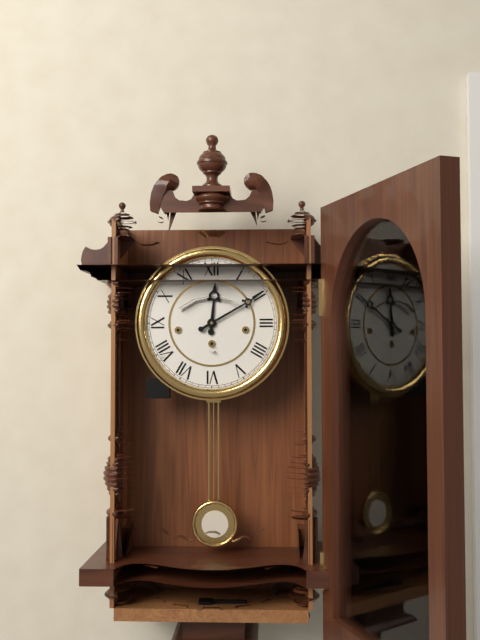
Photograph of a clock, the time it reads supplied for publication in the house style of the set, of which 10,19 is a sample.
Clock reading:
12,10
